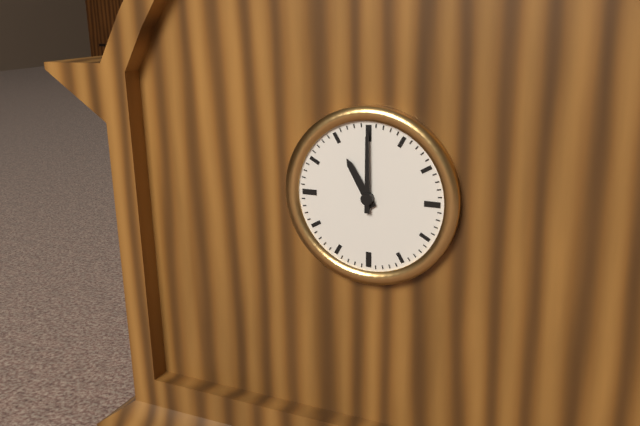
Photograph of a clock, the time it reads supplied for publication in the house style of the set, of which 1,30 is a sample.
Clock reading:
11,00
